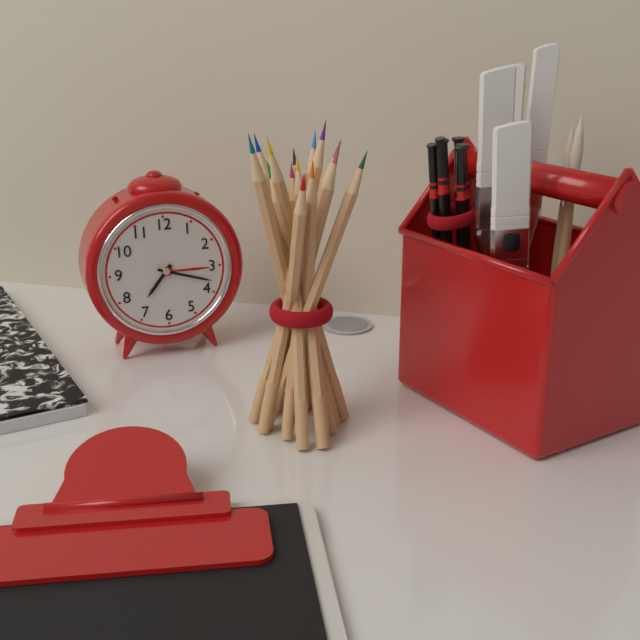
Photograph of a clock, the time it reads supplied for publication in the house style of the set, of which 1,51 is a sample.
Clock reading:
7,18
